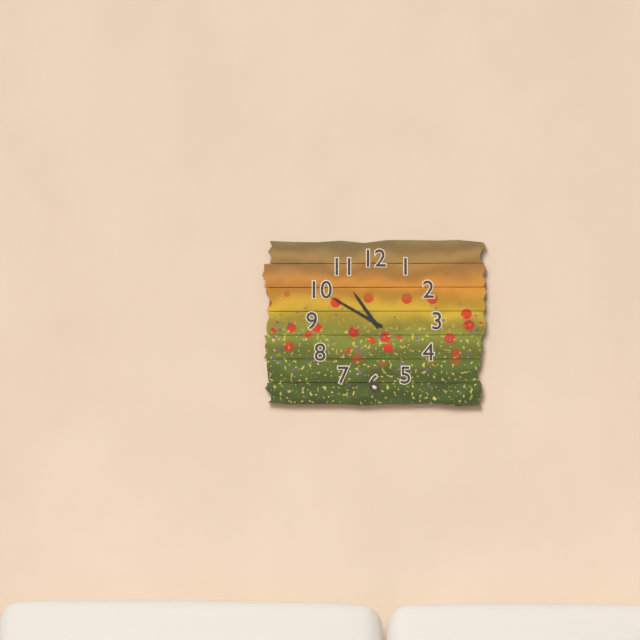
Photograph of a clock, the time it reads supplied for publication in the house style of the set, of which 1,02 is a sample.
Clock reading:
10,50
